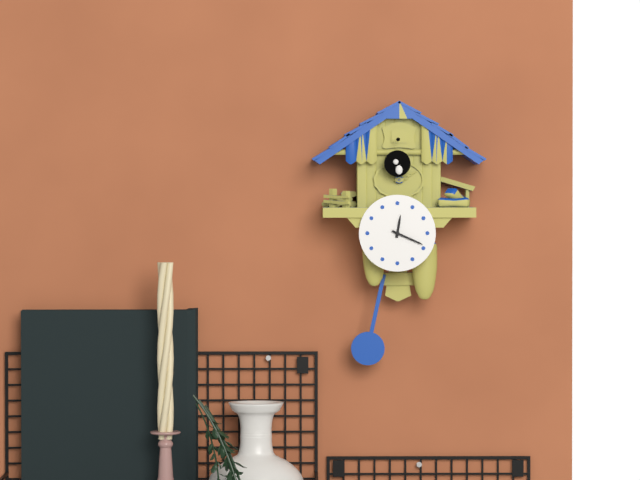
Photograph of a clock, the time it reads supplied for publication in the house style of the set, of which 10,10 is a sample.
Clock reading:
12,19
